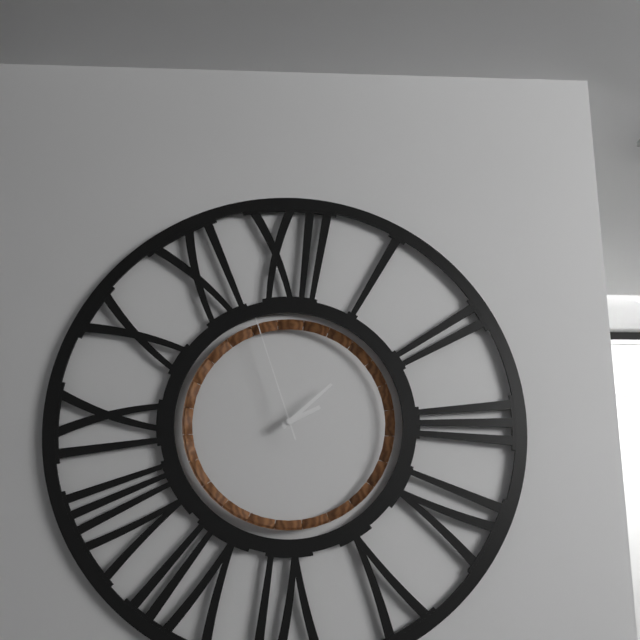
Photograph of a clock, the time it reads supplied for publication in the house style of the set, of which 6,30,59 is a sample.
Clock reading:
2,08,57
